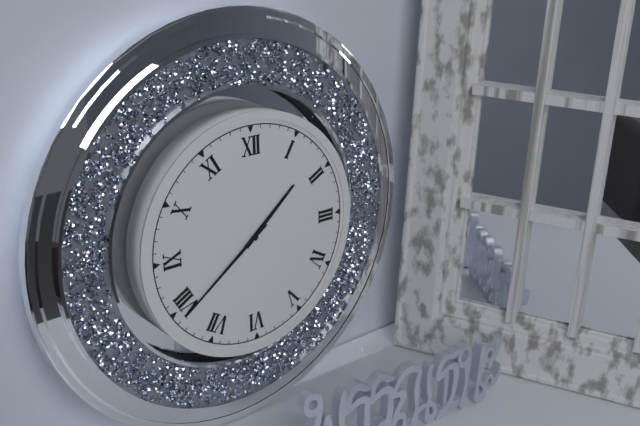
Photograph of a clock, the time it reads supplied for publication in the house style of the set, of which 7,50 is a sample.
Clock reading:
1,39
